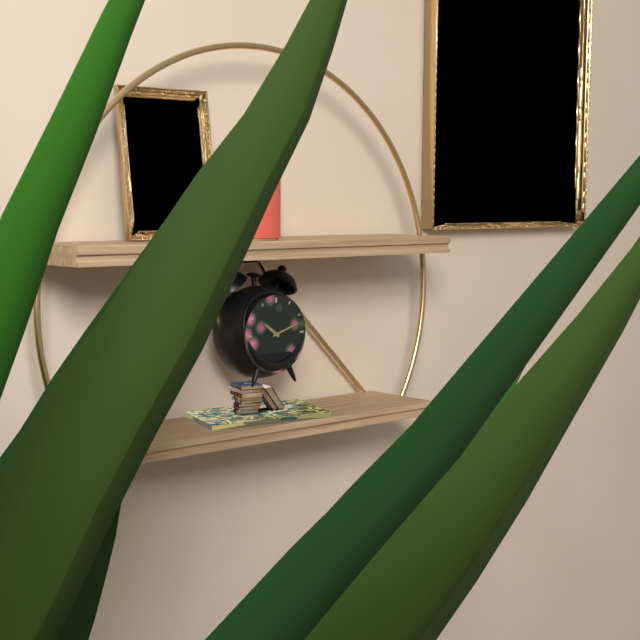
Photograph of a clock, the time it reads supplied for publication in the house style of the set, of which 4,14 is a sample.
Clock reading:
10,12
